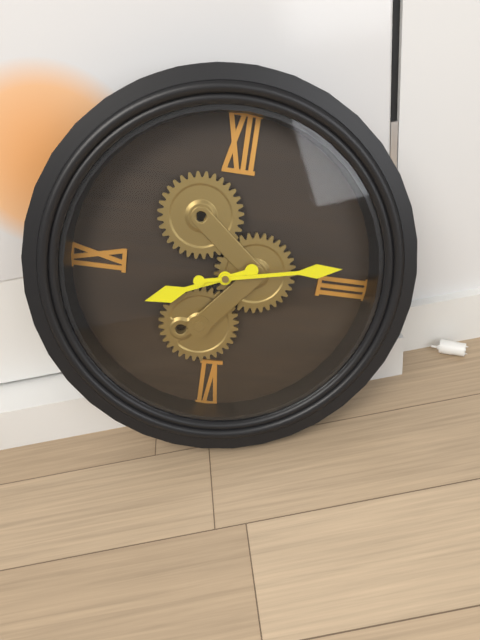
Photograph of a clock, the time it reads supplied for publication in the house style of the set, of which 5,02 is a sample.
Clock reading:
8,13
